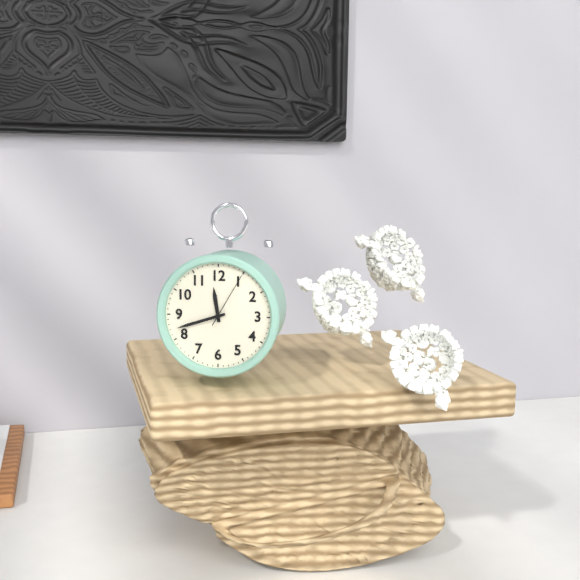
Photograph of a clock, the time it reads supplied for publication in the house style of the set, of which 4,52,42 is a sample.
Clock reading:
11,42,05
